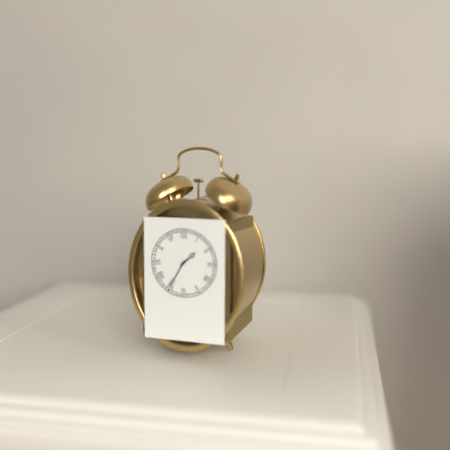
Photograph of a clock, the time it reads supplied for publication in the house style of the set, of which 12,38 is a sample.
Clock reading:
1,35
